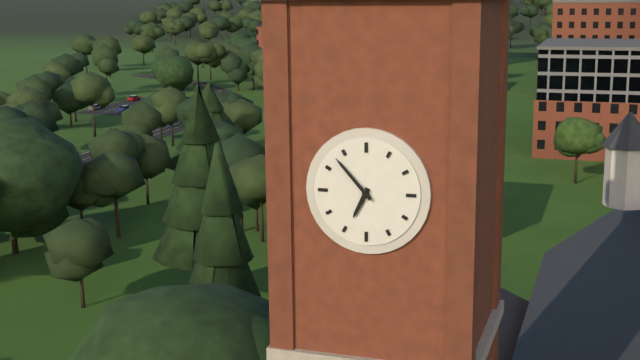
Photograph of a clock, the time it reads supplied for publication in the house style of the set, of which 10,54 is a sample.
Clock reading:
6,53
